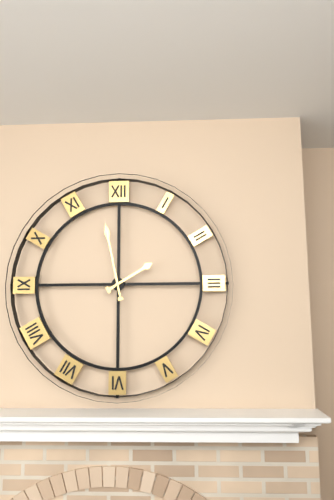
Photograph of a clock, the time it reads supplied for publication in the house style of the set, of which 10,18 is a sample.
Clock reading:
1,58
